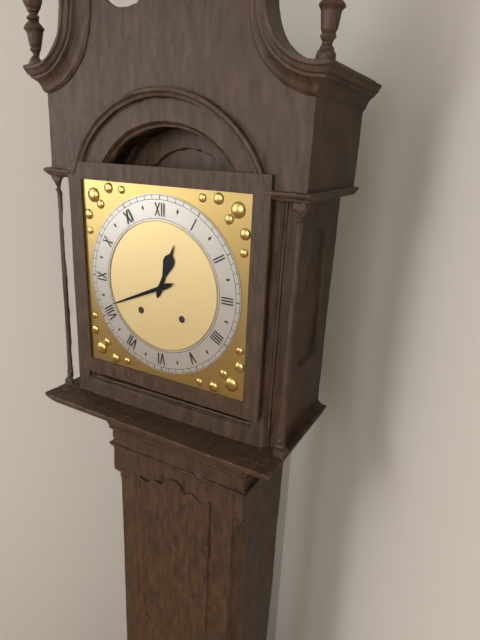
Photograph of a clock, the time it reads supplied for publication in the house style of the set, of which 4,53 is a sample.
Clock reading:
12,41
